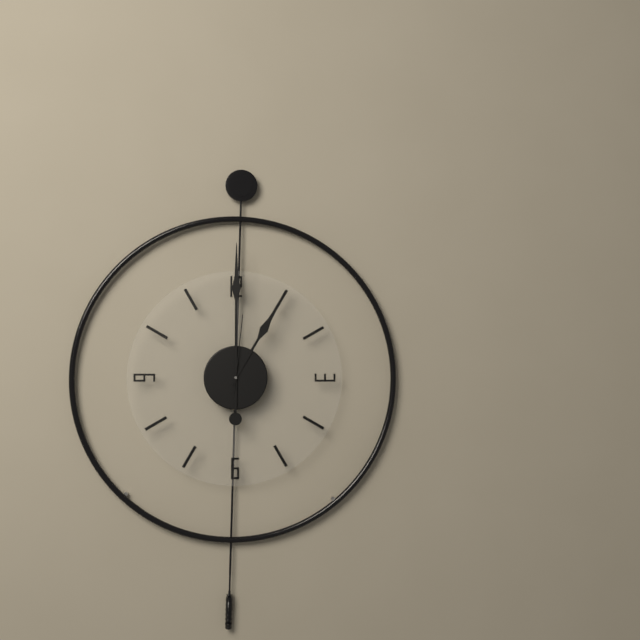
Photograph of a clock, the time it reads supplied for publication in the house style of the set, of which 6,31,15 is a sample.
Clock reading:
1,00,01
